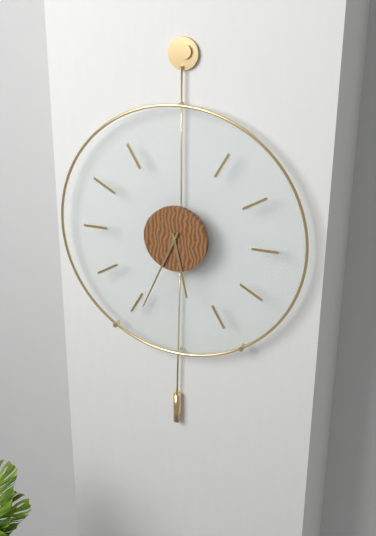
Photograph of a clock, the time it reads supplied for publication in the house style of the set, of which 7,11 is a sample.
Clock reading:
5,34
